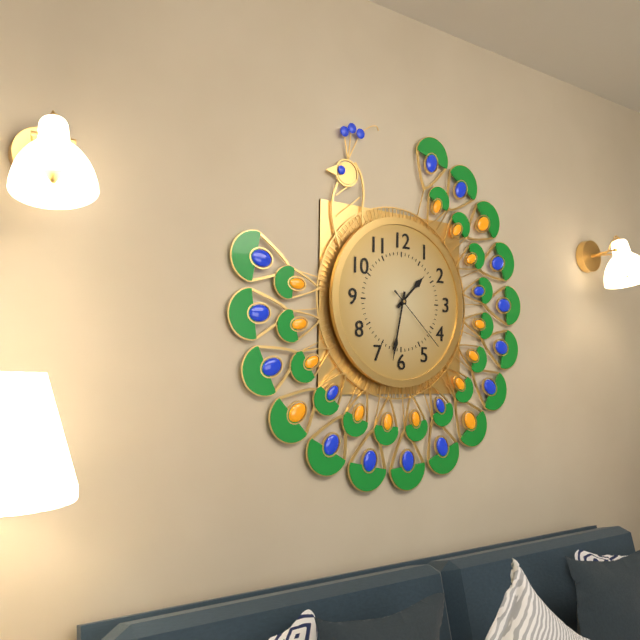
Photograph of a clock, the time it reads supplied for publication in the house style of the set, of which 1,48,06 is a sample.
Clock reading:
1,32,22
